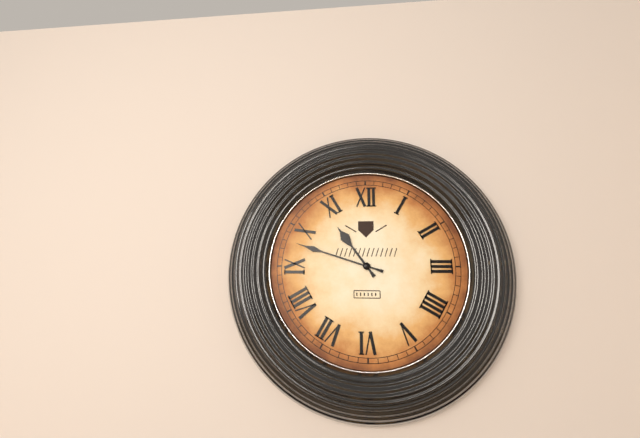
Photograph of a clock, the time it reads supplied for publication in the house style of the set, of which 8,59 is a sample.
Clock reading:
10,48
